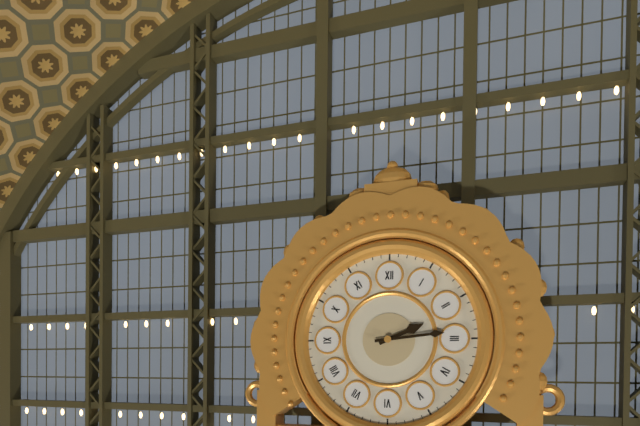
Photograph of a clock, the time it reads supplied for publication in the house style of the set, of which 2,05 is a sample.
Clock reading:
2,14
